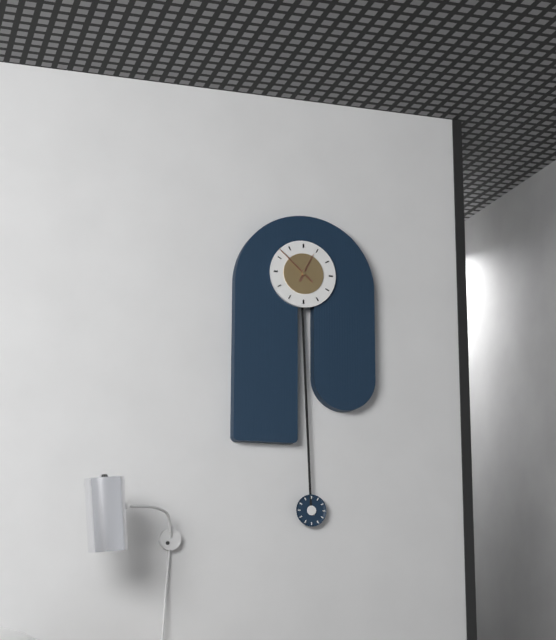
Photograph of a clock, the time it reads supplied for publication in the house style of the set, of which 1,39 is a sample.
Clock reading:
12,52
